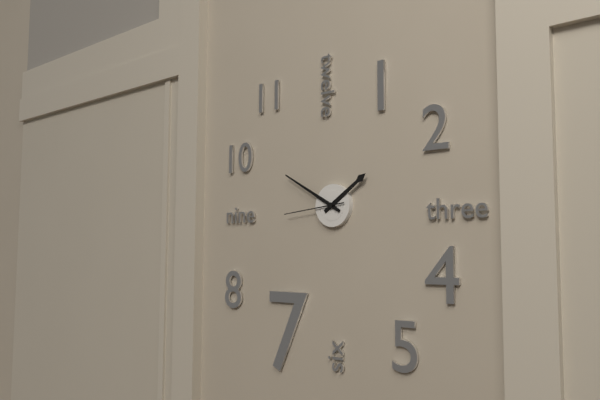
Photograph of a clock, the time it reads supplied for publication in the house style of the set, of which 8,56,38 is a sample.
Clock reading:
1,50,44
